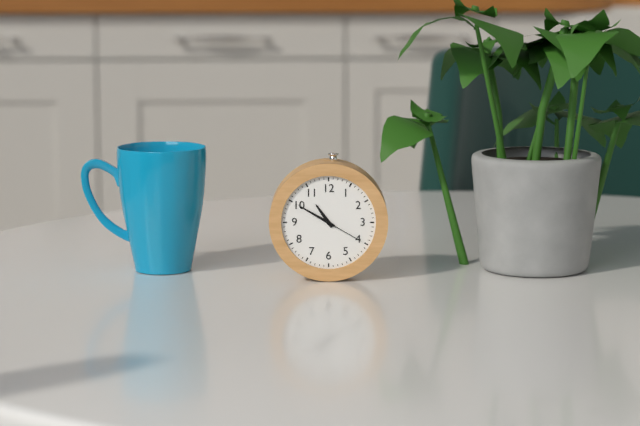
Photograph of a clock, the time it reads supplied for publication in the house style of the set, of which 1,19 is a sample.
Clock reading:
10,50
